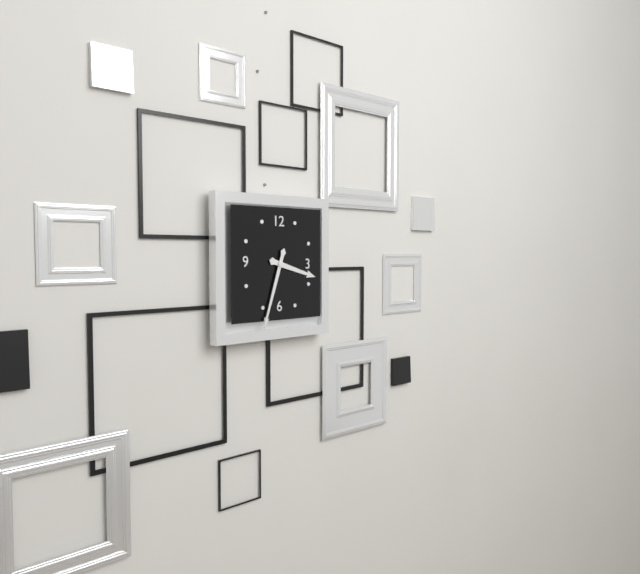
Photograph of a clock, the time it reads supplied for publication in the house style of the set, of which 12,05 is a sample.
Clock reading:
3,33
